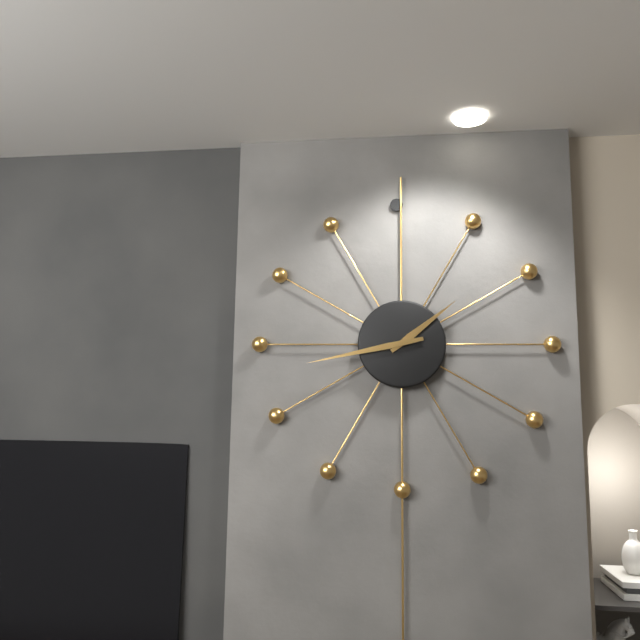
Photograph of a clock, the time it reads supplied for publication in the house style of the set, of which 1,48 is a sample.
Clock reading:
1,43
